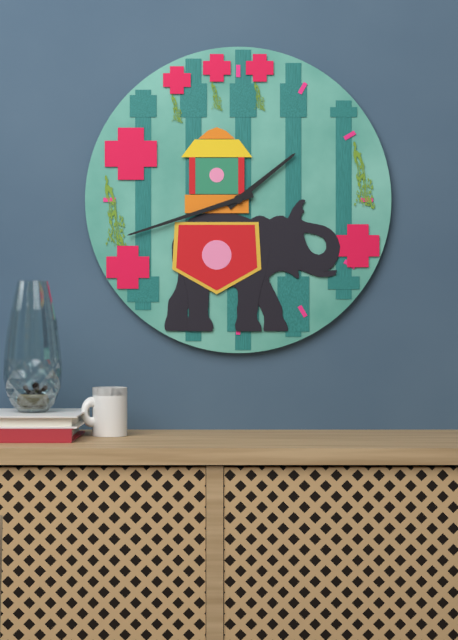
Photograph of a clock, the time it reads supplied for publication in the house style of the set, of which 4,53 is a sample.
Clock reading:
1,42
